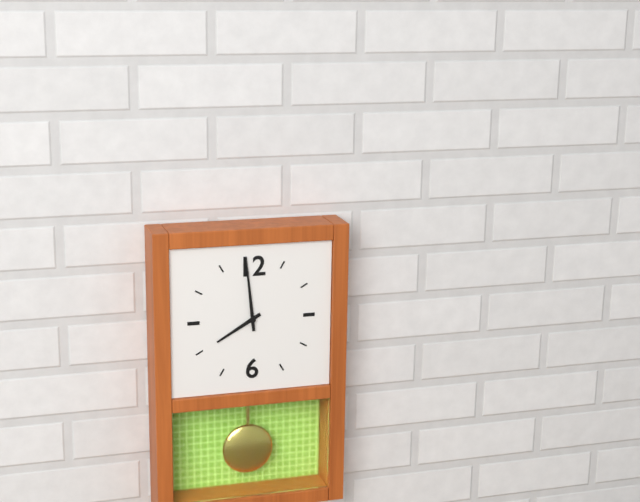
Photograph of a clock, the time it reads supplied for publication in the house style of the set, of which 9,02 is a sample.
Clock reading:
7,59
